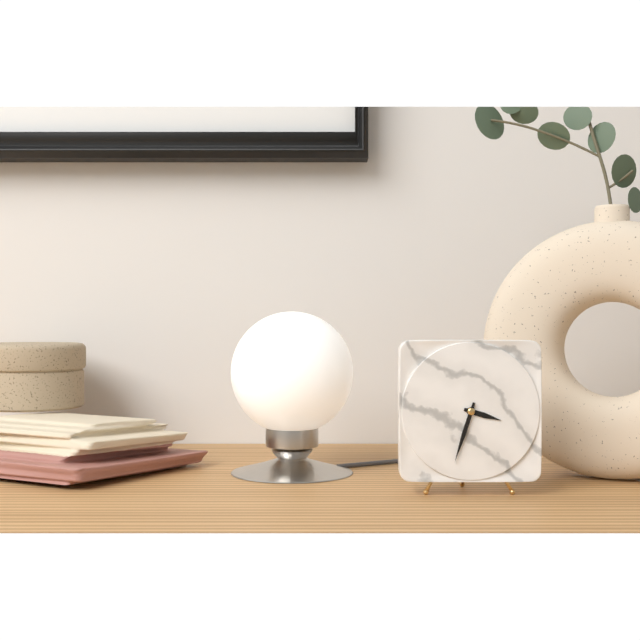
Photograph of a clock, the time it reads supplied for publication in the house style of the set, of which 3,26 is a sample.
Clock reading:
3,33
